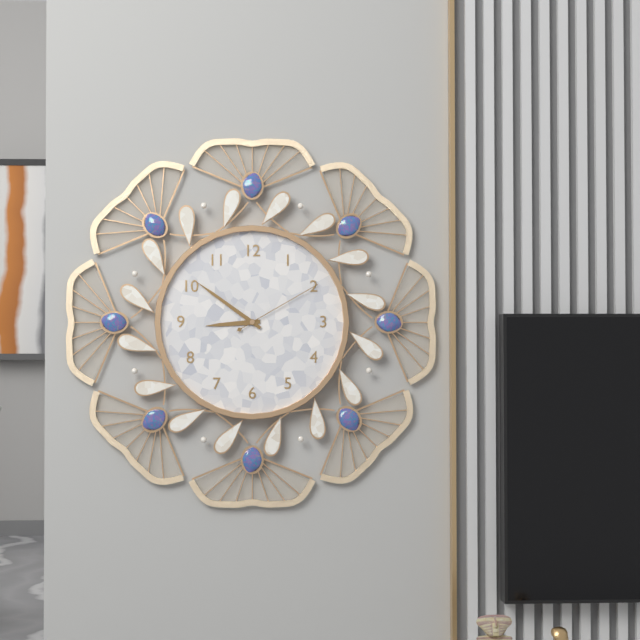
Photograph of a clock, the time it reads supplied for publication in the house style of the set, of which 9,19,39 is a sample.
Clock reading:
8,51,10
